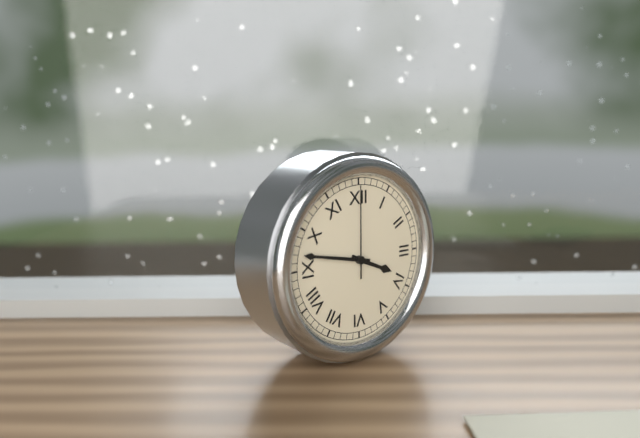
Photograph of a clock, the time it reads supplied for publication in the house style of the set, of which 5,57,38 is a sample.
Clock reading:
3,47,00
